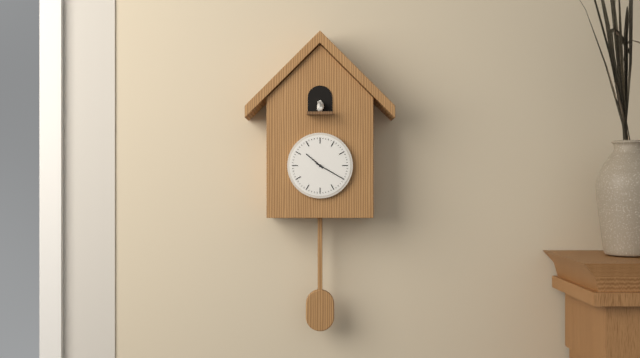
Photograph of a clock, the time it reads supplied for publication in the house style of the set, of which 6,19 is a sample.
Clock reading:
10,20
